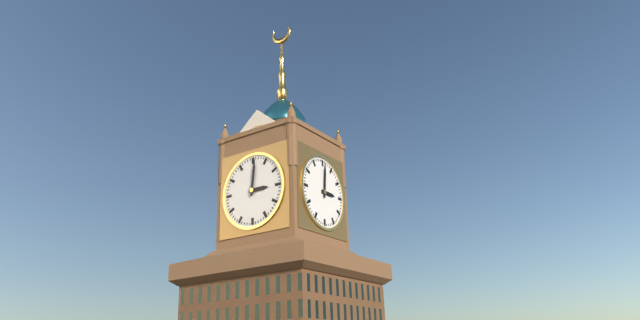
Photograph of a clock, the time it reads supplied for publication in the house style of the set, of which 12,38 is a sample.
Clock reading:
3,01
